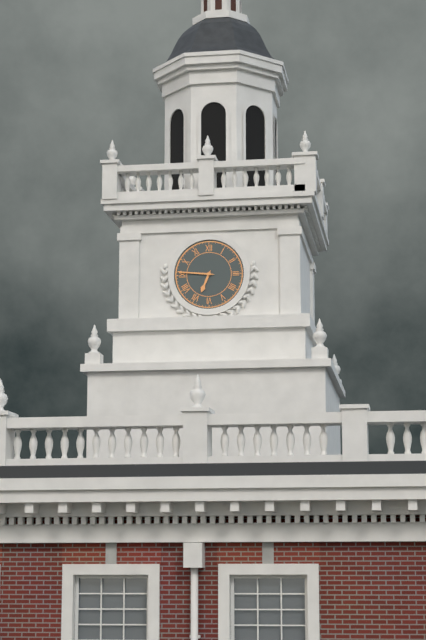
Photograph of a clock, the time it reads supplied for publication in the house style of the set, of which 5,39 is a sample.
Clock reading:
6,46
